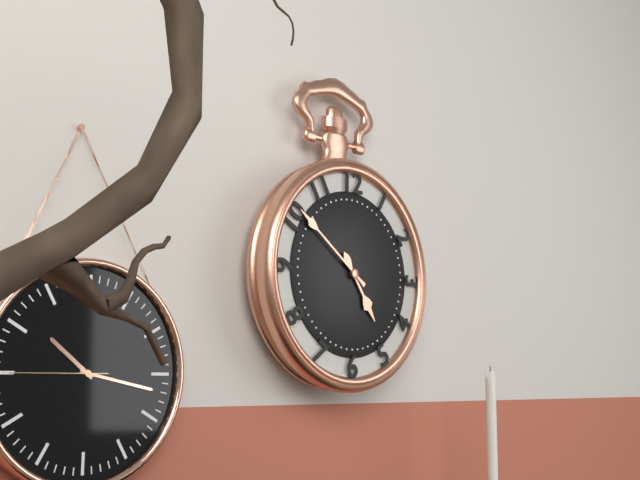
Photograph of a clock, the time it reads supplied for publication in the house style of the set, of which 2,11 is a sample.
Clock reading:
4,51
